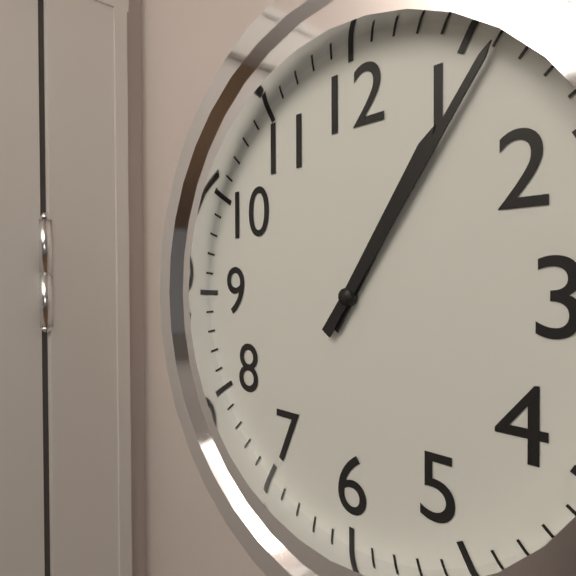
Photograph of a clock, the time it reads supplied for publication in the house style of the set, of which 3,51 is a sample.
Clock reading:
1,06
